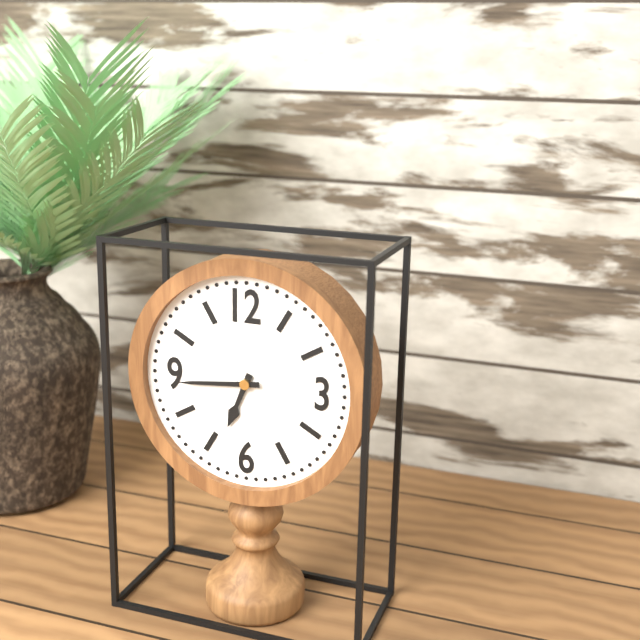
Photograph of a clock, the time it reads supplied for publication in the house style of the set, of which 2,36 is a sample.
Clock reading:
6,44
